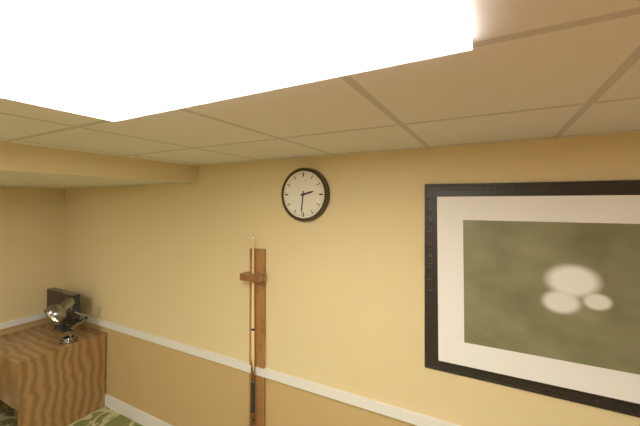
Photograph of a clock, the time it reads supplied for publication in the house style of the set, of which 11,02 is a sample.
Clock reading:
2,31
